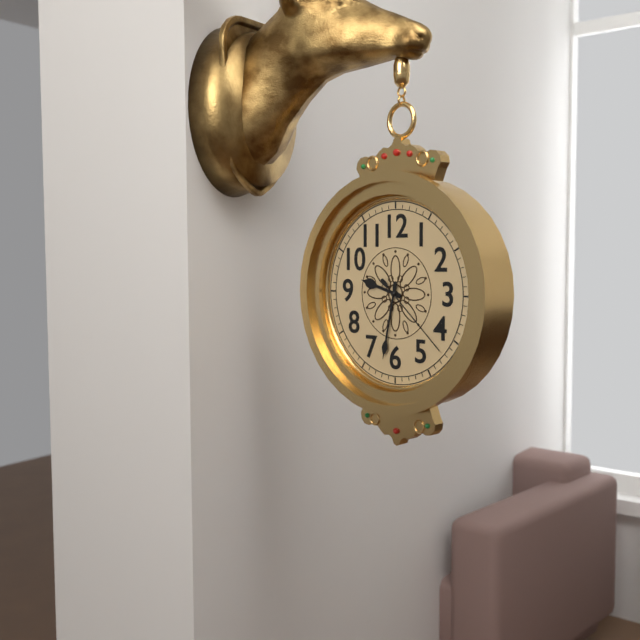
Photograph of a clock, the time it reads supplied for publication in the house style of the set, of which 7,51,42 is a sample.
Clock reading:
9,32,22
